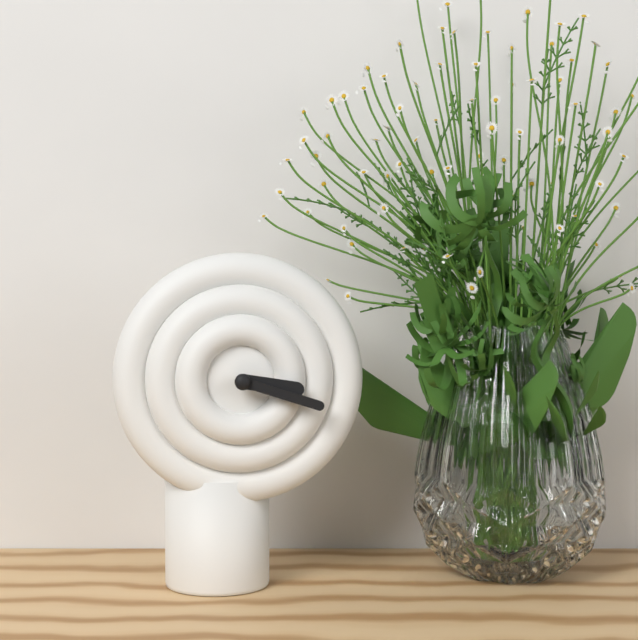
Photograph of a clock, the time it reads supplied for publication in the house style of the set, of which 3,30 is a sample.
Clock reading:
3,18
